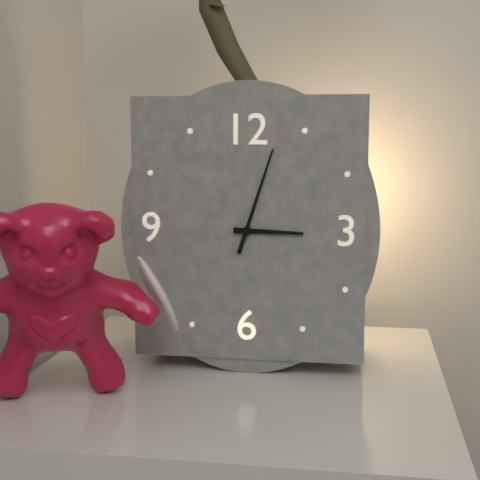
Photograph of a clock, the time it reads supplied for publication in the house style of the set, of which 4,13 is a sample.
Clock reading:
3,03
